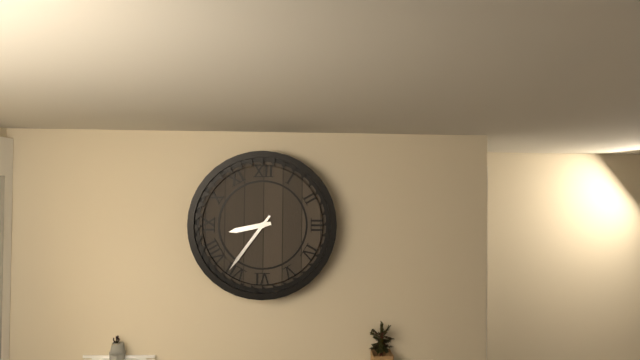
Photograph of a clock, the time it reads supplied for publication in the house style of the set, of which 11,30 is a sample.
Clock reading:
8,36
